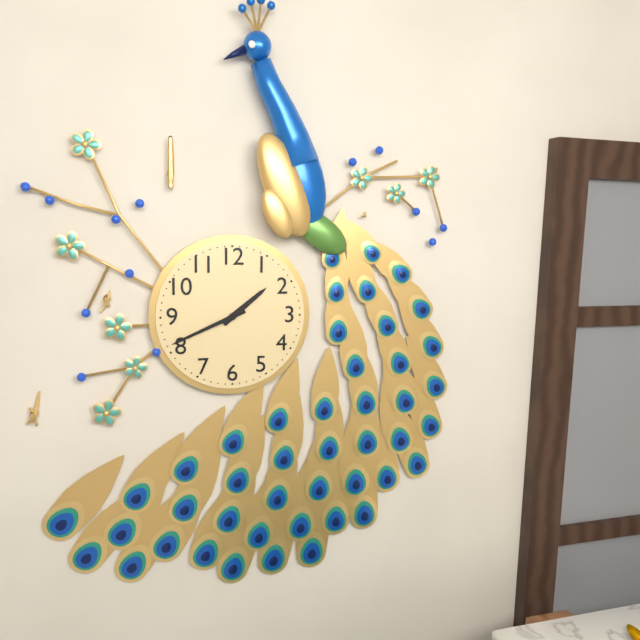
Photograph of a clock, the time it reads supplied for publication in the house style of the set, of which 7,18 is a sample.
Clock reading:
1,41
